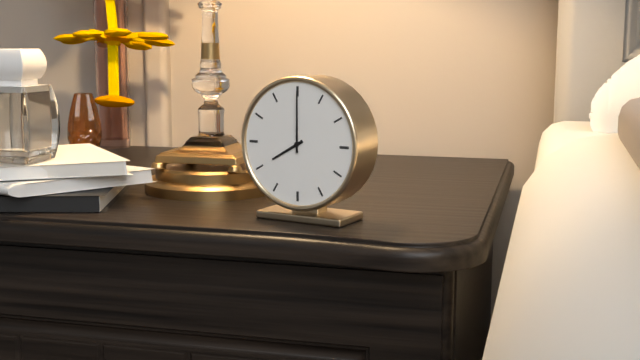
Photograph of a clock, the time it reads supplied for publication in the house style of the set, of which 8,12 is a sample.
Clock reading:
8,00
